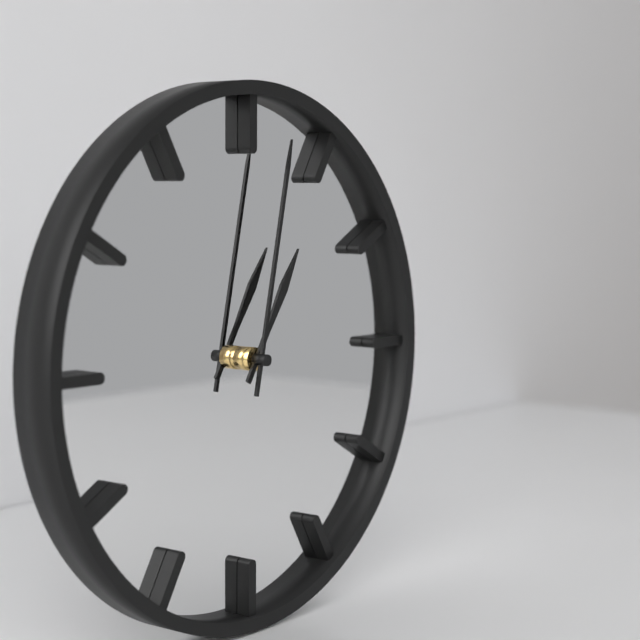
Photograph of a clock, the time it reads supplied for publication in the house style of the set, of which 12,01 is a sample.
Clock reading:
1,02
